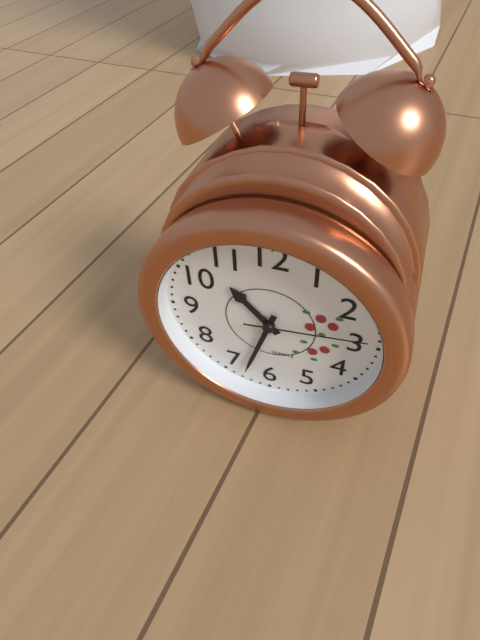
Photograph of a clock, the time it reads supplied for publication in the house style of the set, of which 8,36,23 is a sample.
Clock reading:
10,33,14
